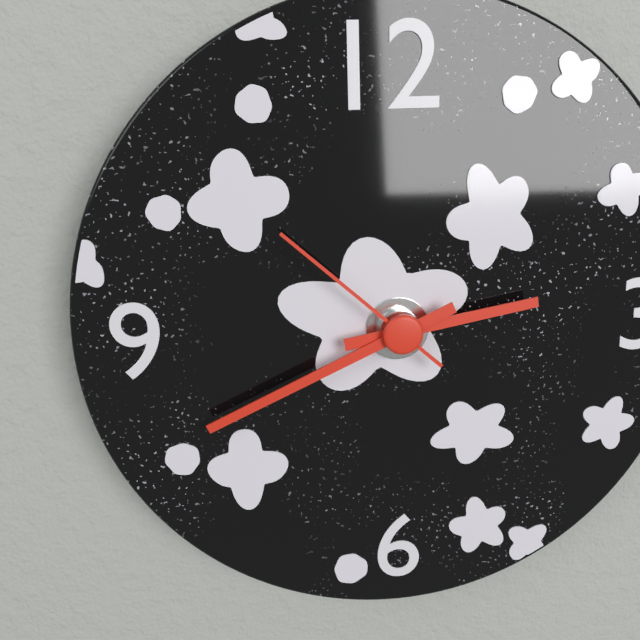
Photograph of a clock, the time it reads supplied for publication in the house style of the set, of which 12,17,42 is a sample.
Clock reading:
2,41,52
